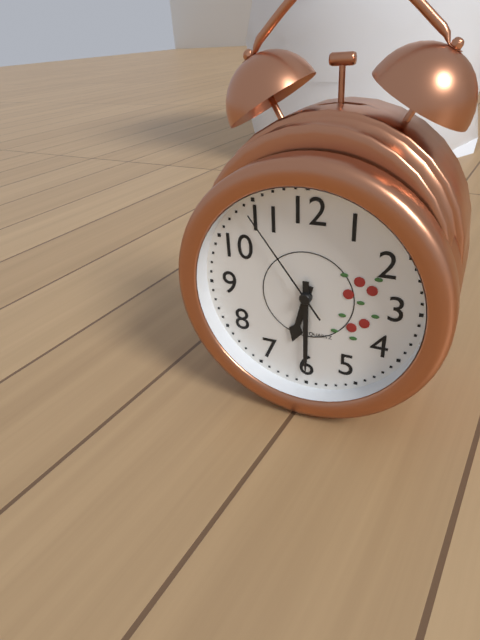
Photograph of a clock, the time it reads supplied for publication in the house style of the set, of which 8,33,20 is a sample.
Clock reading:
6,30,54
